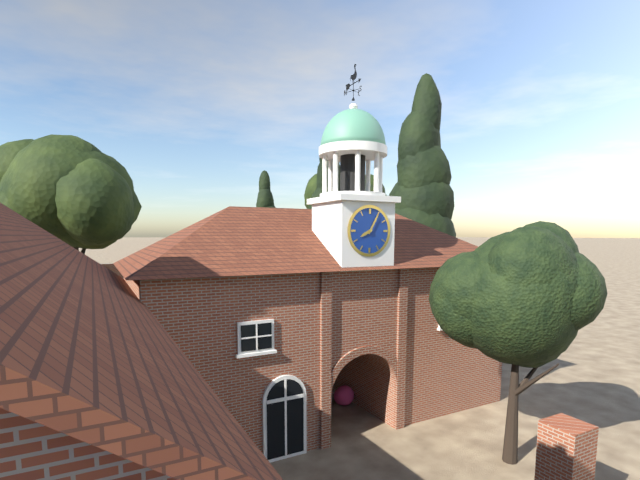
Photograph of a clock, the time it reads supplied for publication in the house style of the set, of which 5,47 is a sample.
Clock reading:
8,05
